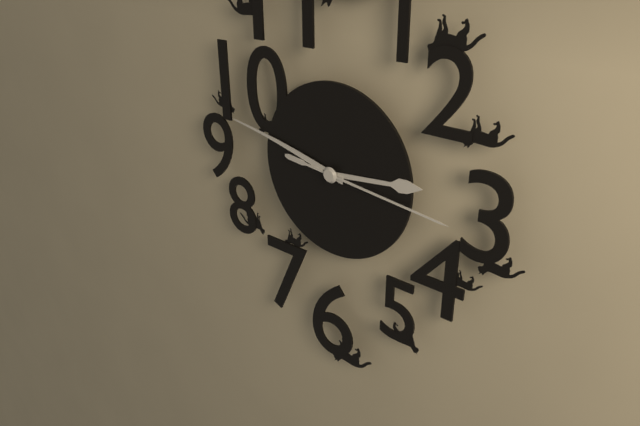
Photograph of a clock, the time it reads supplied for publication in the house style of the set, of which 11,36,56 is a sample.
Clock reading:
2,47,16
